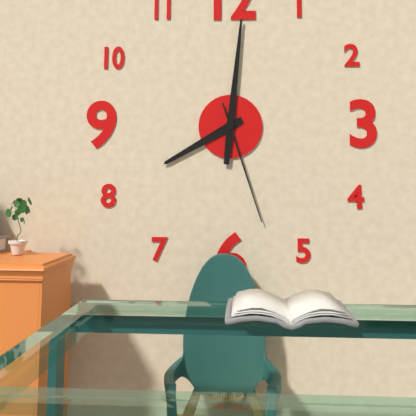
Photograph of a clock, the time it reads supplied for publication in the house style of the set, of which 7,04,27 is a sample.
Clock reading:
8,01,27
